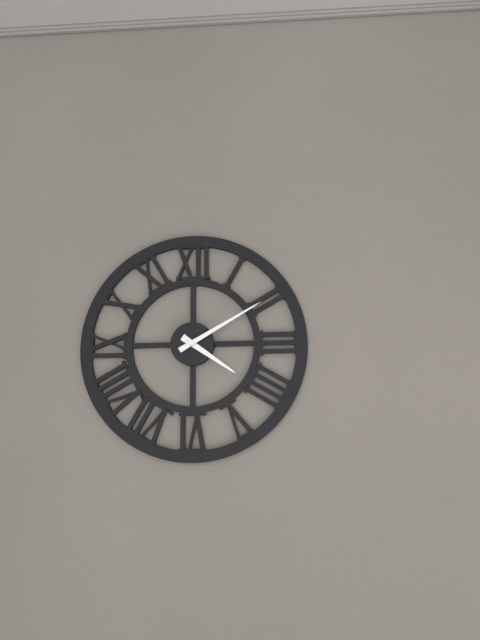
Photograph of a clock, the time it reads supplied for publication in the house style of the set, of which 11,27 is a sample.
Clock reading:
4,10
